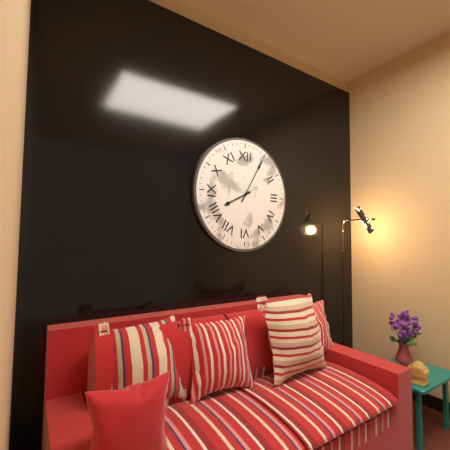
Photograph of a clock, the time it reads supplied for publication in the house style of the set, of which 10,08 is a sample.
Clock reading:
8,05
